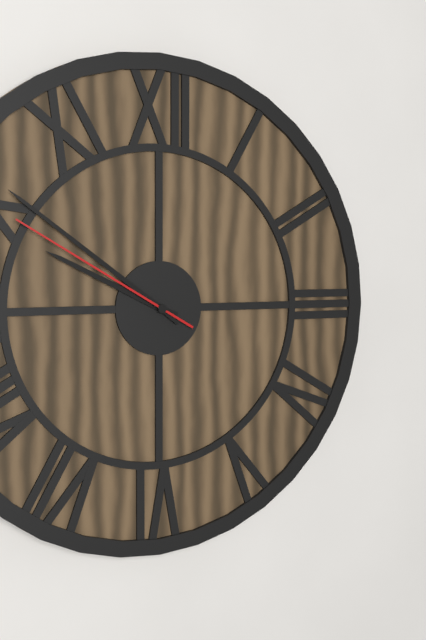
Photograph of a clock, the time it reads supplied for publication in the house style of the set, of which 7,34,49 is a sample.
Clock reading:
9,51,50
